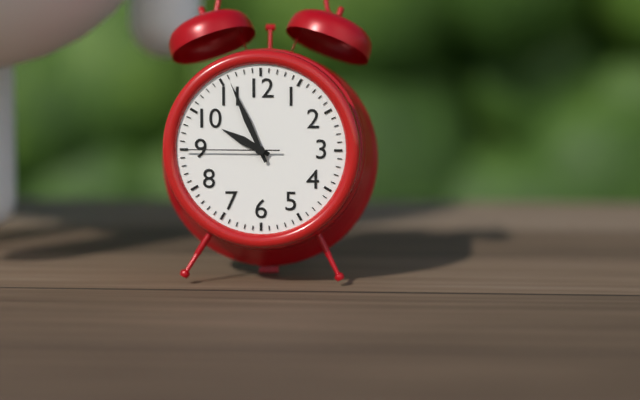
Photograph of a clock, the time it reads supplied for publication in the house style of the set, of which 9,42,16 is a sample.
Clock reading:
9,56,45
